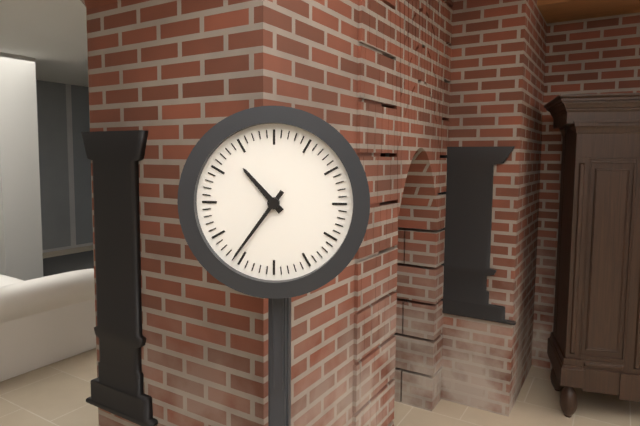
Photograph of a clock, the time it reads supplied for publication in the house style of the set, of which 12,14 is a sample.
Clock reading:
10,36
